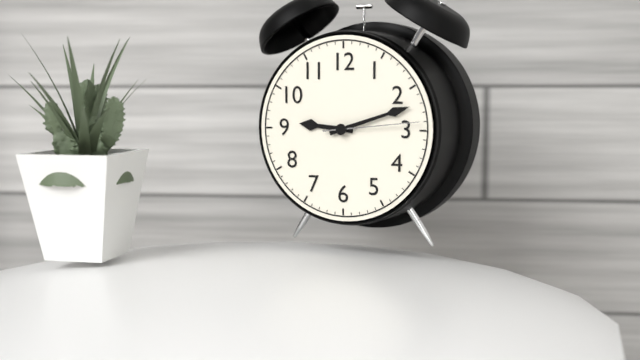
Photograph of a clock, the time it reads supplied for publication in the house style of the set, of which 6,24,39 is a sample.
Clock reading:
9,12,14
